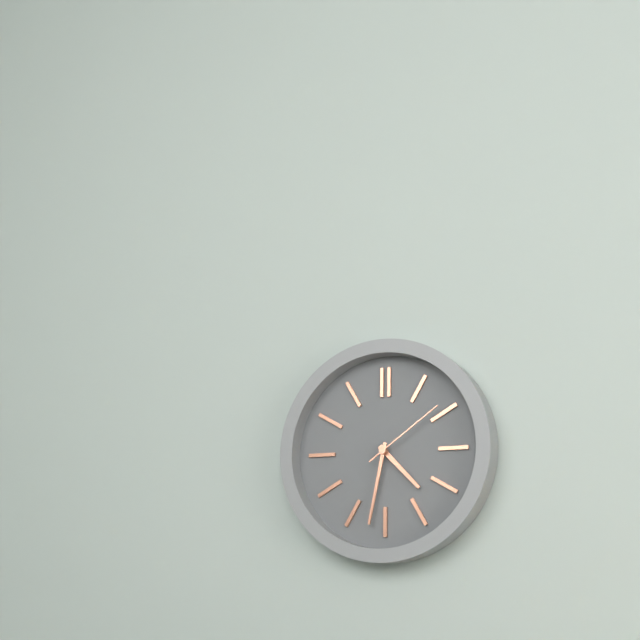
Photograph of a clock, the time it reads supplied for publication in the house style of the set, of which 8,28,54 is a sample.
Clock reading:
4,32,09
